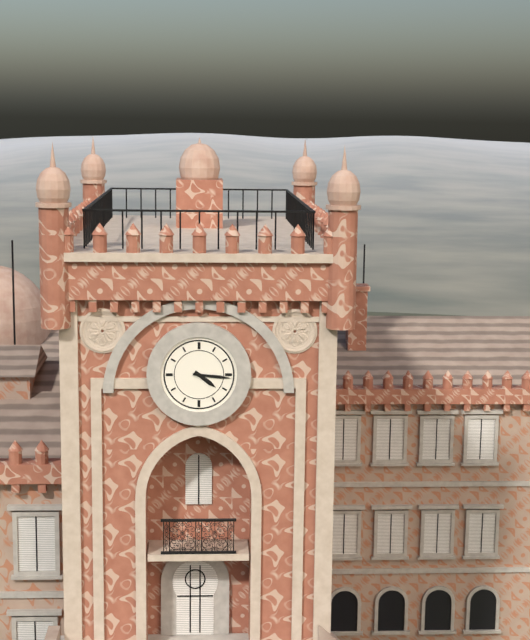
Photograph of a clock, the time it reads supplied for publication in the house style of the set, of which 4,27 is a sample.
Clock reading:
4,16
